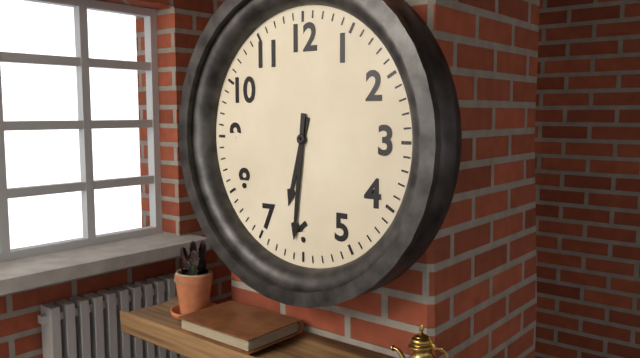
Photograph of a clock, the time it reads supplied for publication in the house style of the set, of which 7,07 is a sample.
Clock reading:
6,31
